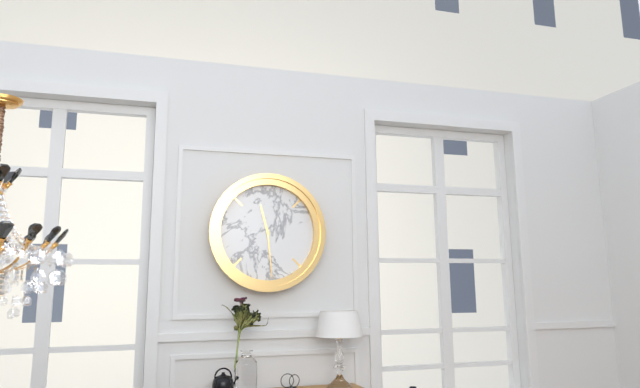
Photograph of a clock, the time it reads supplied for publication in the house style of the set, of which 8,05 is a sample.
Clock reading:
11,29
